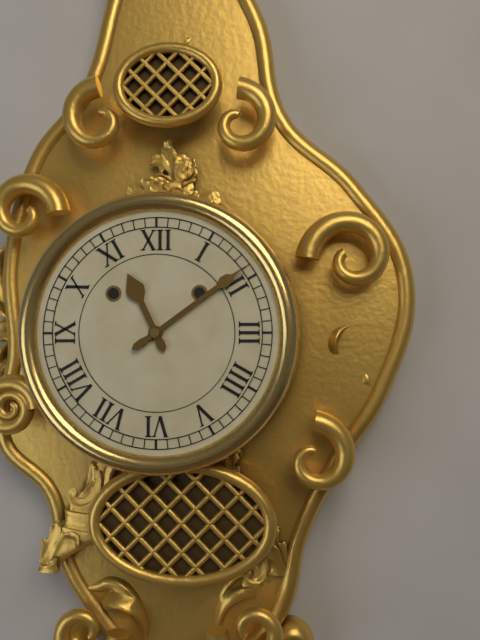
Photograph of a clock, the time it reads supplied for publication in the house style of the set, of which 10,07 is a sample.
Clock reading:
11,09
